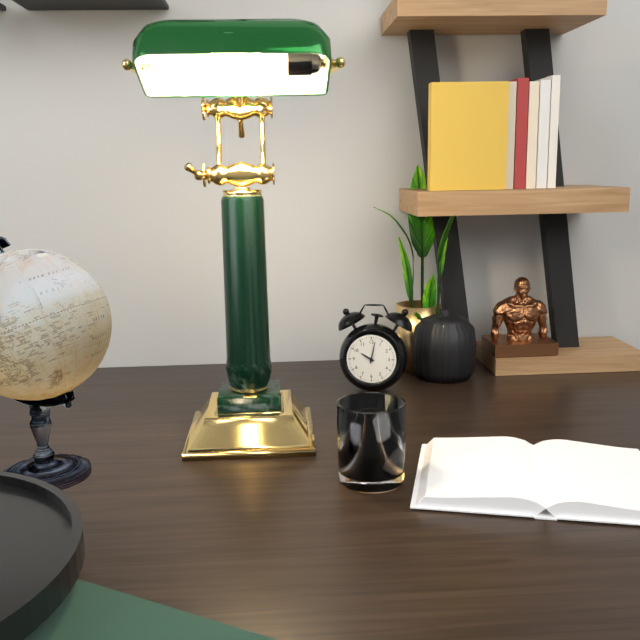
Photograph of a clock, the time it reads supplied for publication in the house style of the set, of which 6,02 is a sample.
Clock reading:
10,02
